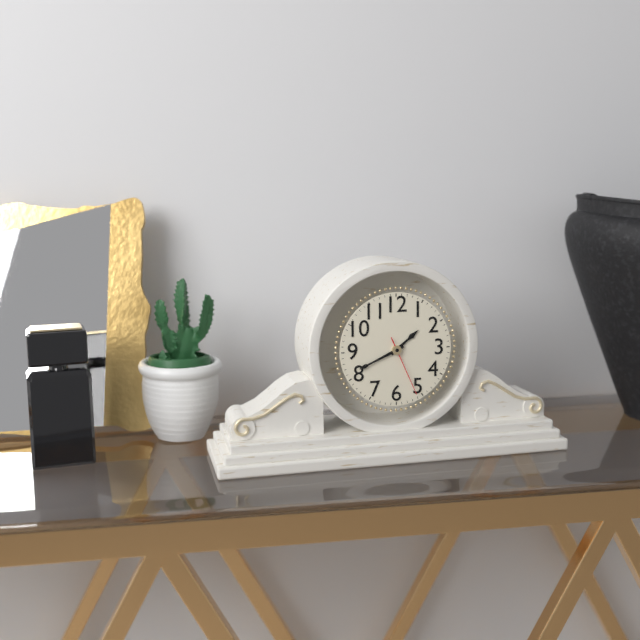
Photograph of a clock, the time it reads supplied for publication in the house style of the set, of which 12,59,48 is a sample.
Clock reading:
1,41,26
